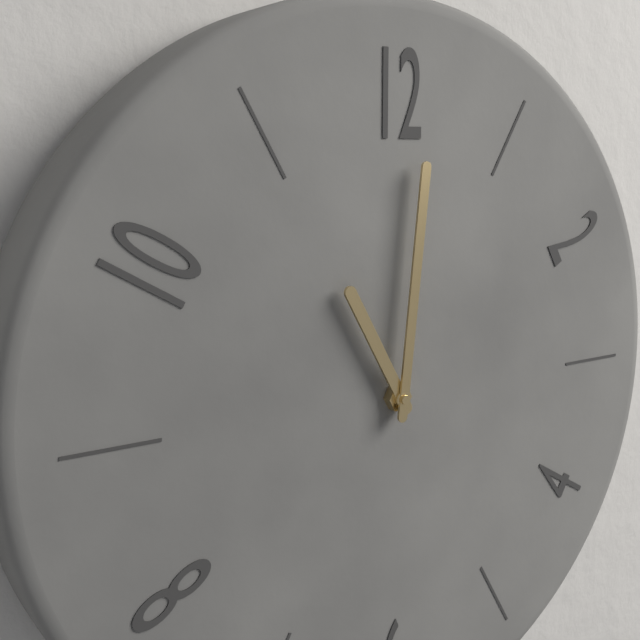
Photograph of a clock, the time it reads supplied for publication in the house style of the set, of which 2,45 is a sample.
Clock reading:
11,01
